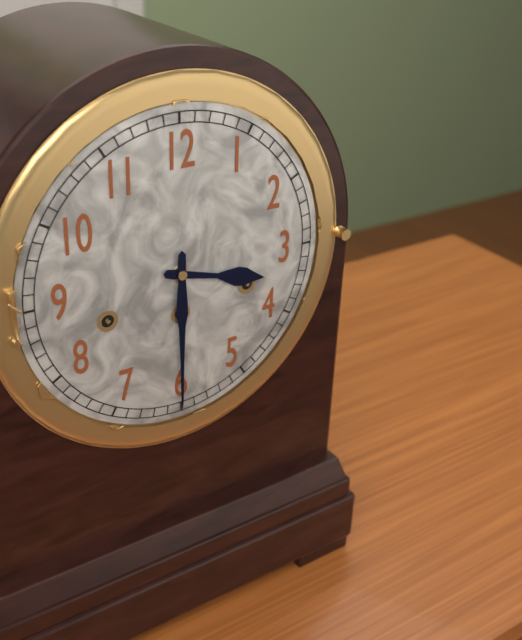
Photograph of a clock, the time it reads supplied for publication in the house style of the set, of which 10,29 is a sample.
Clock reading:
3,30
